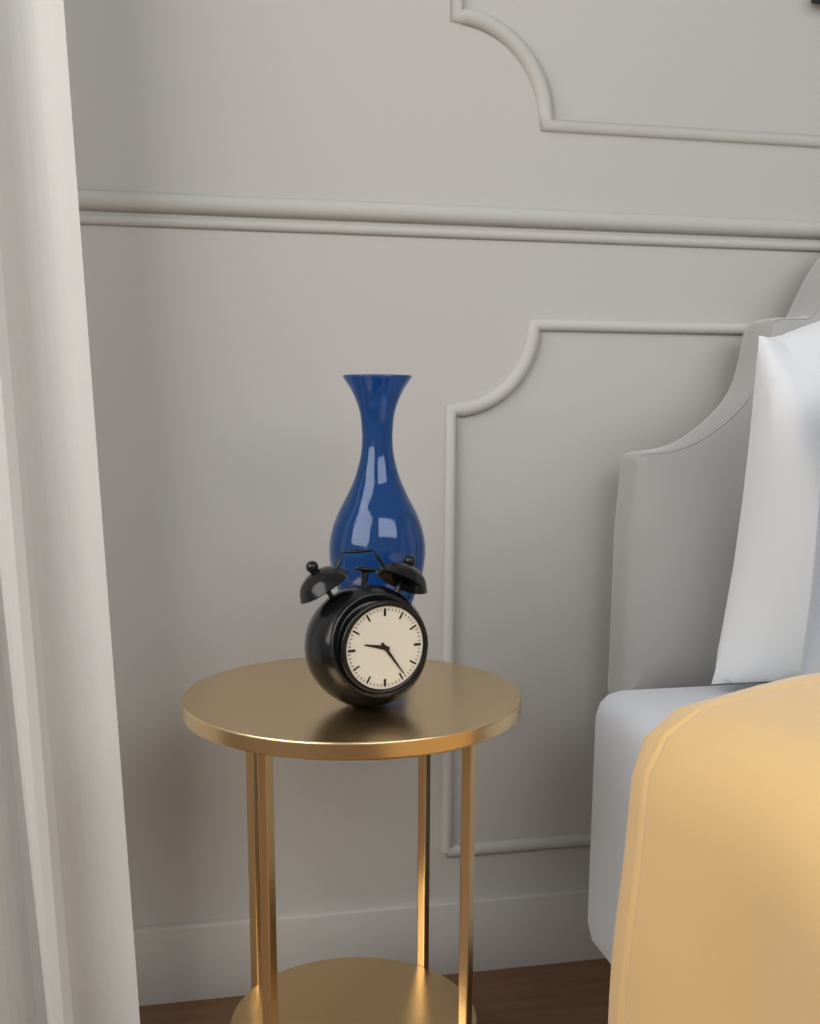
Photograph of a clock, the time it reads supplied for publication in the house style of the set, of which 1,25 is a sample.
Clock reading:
9,24
